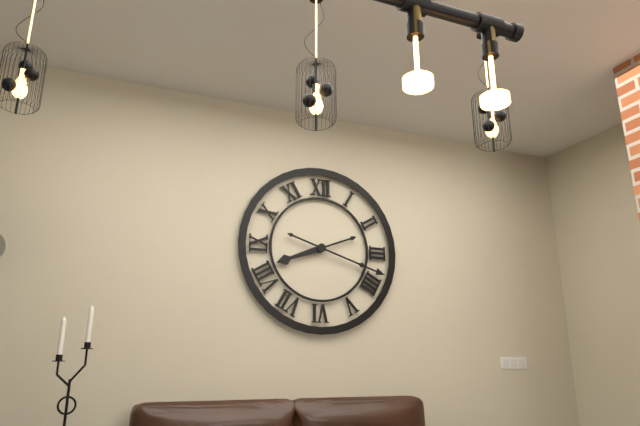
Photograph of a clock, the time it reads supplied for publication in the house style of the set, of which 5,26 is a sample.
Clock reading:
8,18
